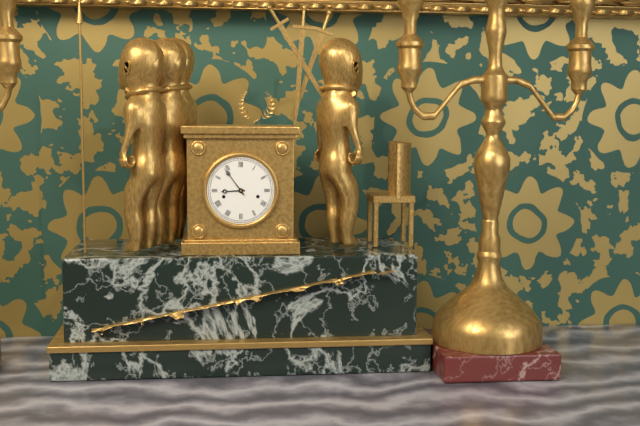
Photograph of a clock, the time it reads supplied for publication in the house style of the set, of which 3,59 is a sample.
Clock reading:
8,54
